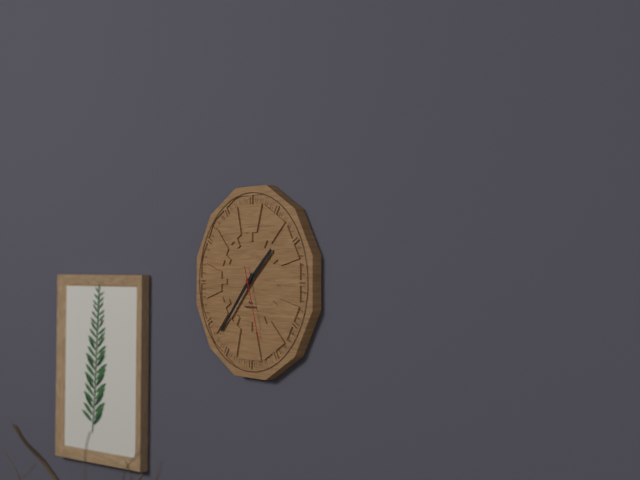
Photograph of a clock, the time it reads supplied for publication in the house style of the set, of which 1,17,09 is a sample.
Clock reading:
1,37,27
